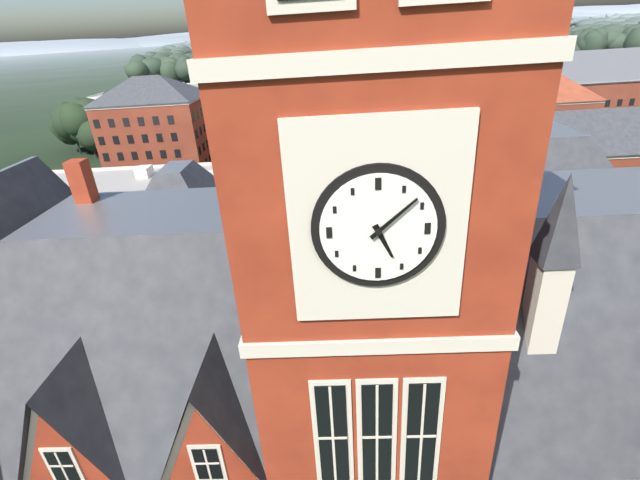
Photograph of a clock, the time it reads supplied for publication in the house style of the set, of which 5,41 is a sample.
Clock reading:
5,08
